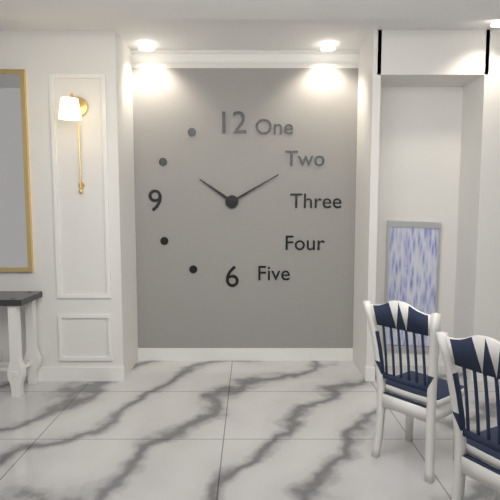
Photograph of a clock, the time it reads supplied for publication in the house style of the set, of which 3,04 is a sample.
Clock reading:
10,10
